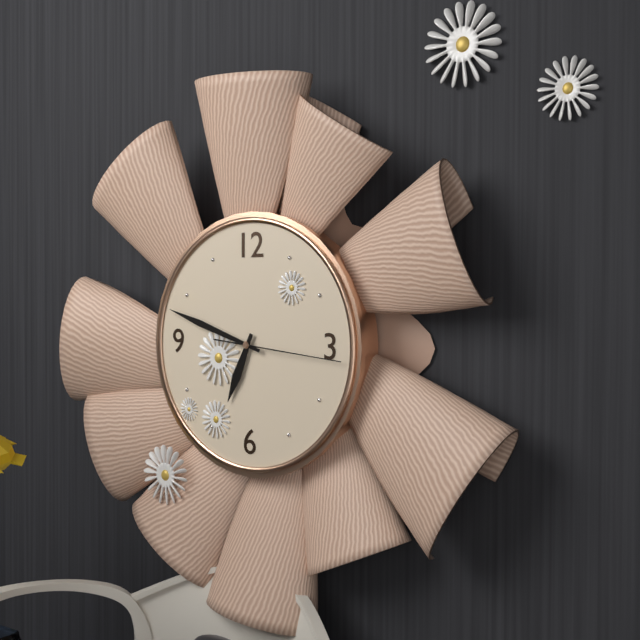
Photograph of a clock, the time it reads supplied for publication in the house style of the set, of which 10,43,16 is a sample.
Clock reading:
6,48,16
